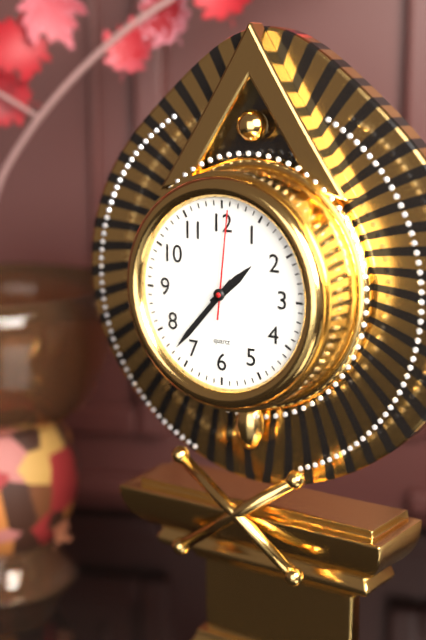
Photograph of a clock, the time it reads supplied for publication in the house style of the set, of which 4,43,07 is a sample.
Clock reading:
1,37,01
